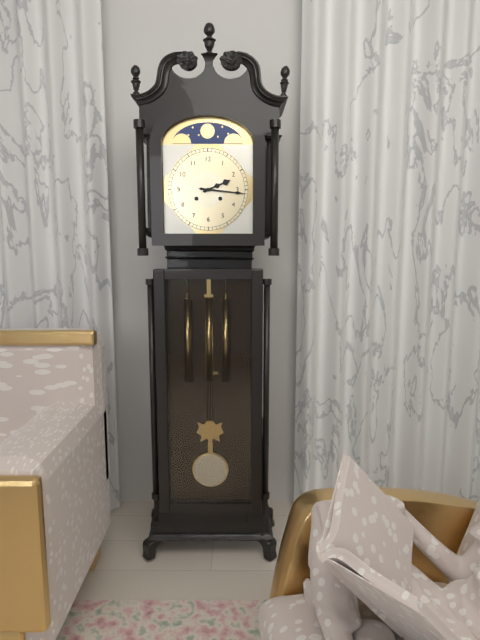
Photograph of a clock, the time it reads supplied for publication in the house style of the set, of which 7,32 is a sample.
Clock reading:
2,16
